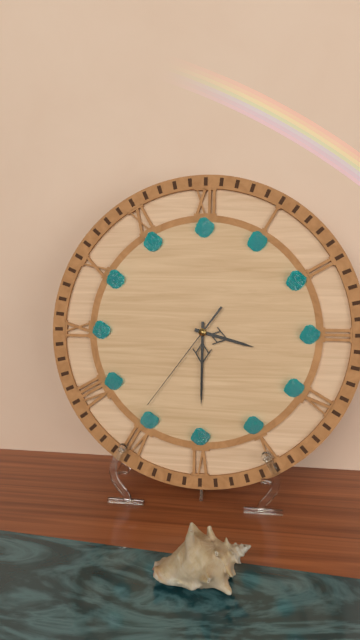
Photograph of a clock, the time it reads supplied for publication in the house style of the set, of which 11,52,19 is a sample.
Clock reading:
3,30,36
